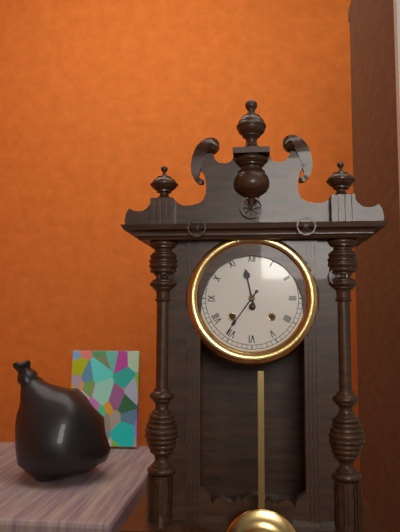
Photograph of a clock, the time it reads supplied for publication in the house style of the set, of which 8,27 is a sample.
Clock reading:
11,36
